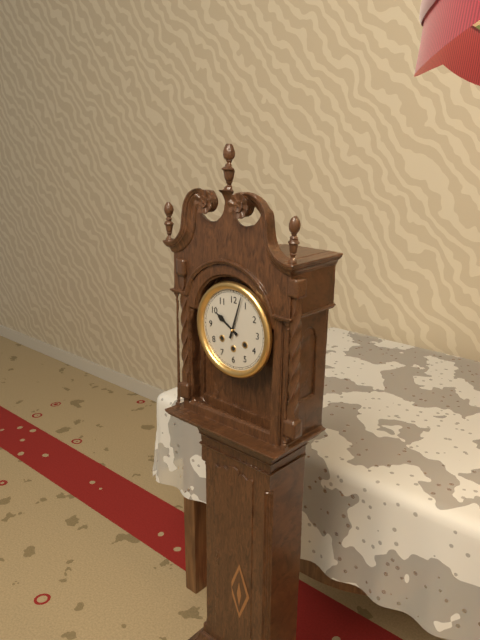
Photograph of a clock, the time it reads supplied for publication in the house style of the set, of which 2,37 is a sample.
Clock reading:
10,03
